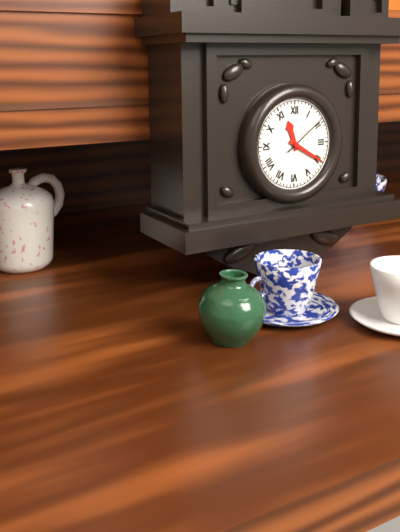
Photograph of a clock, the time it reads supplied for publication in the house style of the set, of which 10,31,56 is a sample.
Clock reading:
11,20,09
